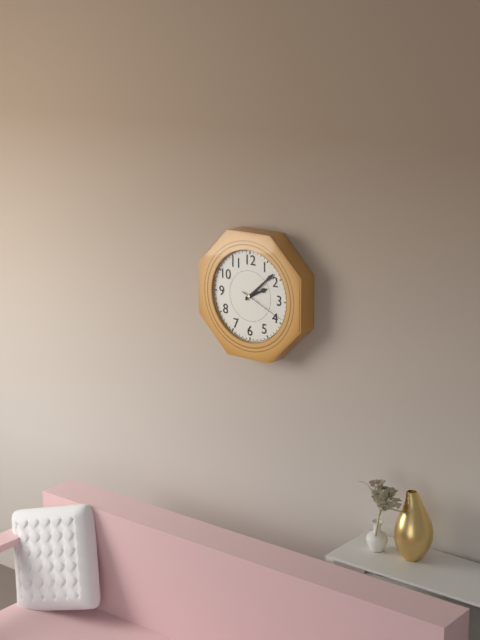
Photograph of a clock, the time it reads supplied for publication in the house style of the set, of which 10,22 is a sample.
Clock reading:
2,08
